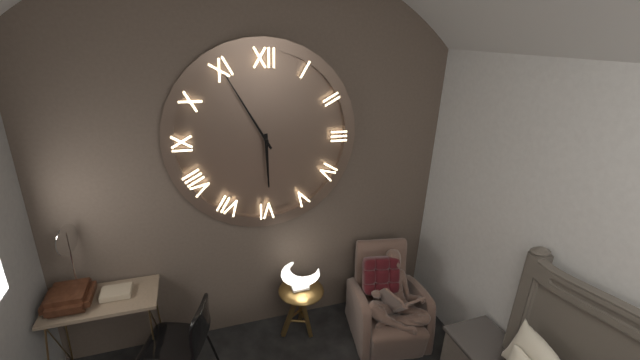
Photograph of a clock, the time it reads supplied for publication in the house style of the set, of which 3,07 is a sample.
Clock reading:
5,55
